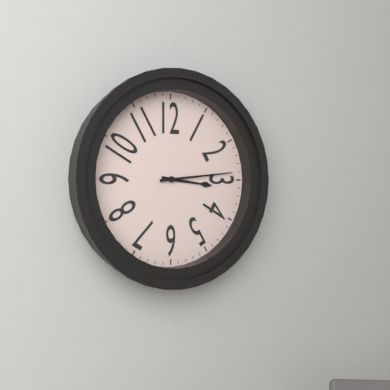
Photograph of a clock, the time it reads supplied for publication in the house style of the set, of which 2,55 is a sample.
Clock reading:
3,14
